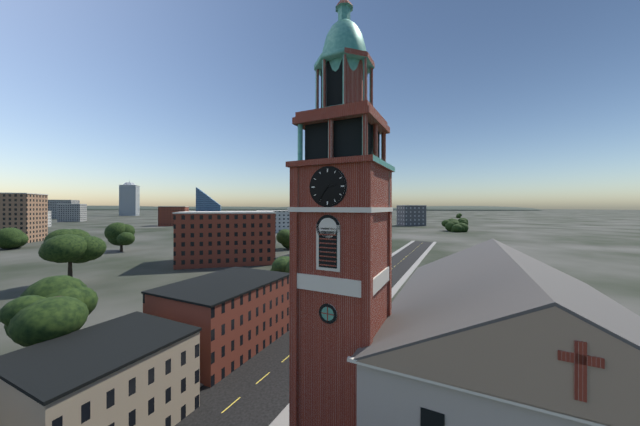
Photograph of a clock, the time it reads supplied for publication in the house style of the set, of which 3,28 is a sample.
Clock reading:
2,36
